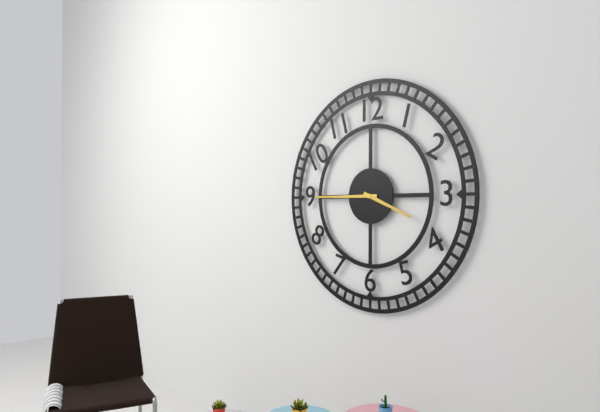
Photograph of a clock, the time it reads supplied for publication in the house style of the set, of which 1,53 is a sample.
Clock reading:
3,45
